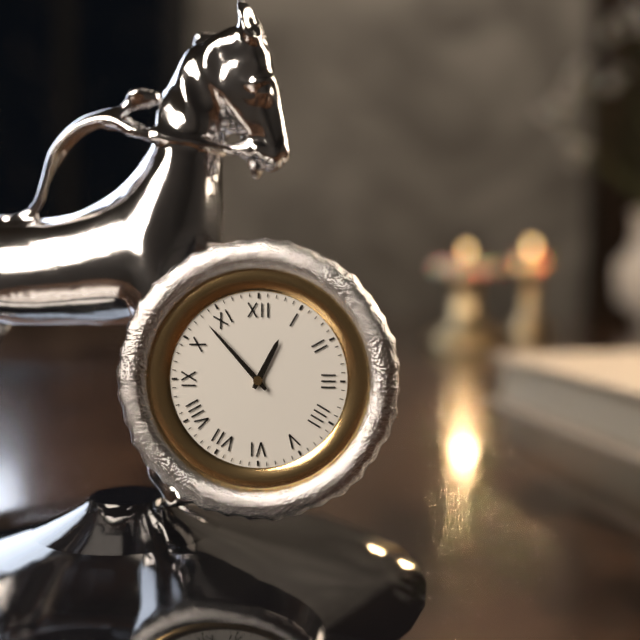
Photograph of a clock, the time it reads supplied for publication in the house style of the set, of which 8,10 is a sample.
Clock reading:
12,53
